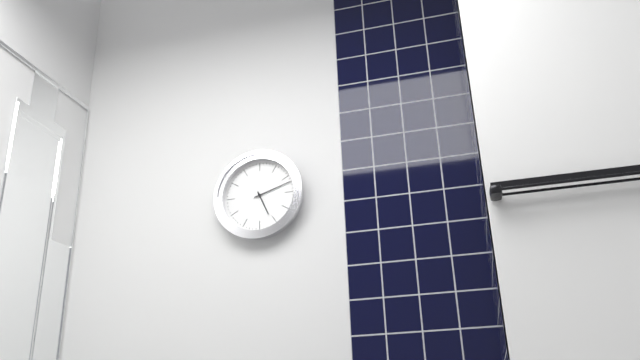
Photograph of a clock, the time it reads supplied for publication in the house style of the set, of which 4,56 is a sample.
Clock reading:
5,12
